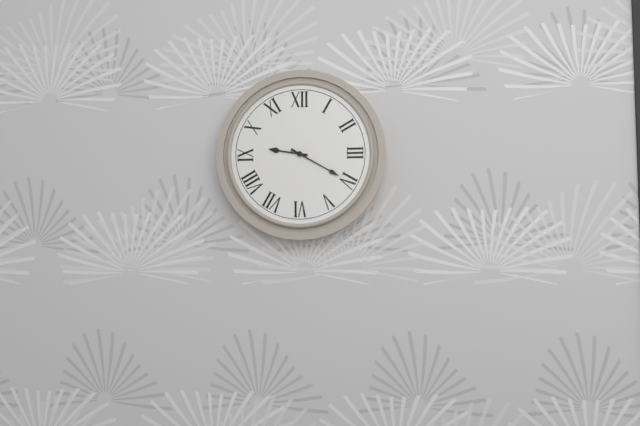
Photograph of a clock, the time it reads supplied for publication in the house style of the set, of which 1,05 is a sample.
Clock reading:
9,20
